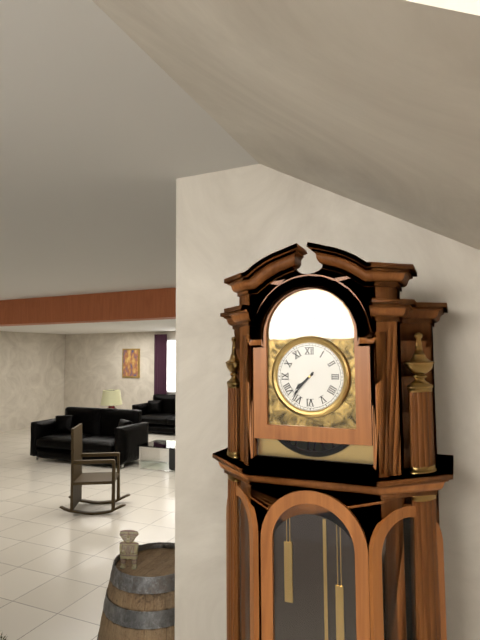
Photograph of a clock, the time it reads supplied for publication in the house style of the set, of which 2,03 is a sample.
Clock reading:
7,37
